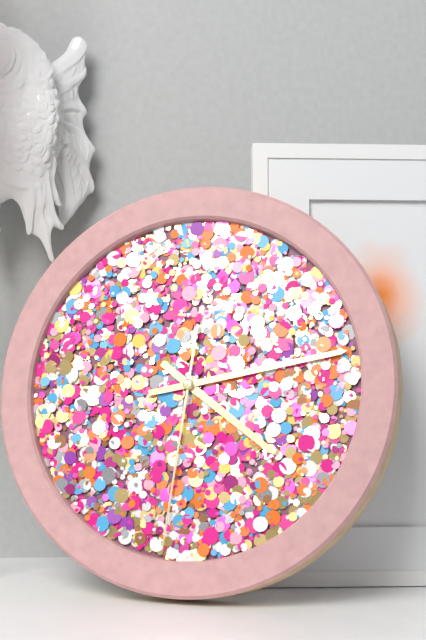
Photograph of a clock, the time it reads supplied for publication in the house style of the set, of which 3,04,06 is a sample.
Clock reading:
4,13,31
